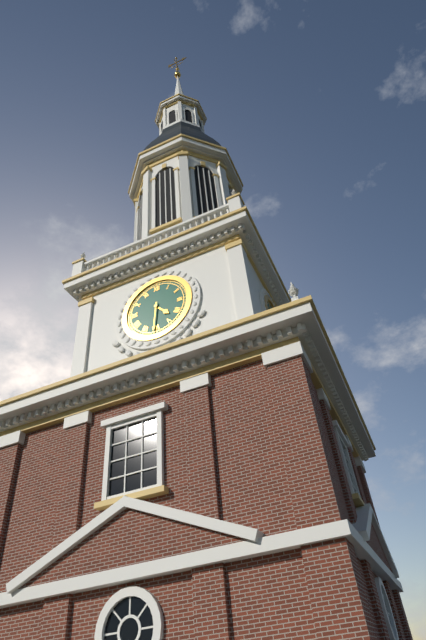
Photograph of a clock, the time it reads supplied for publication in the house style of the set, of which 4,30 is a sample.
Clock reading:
4,31
